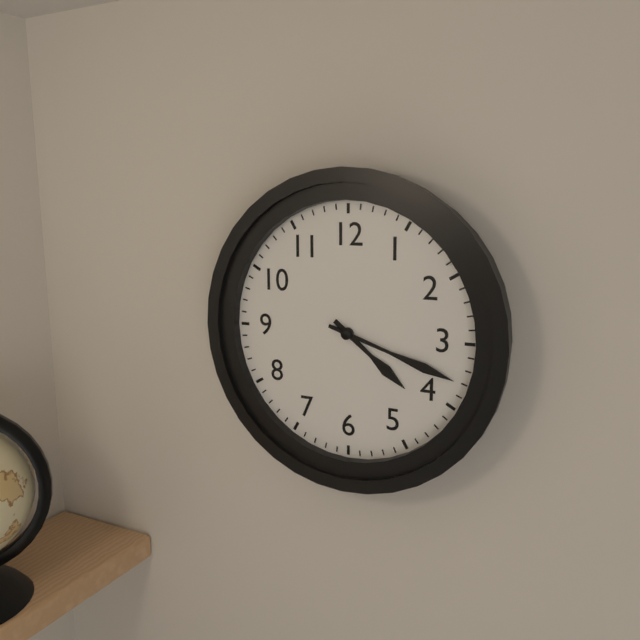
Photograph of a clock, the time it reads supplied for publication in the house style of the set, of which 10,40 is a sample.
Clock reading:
4,18
